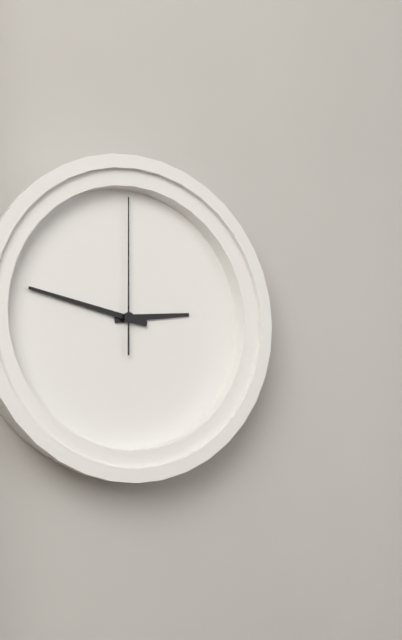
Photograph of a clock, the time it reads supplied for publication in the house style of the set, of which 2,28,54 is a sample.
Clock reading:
2,47,00
